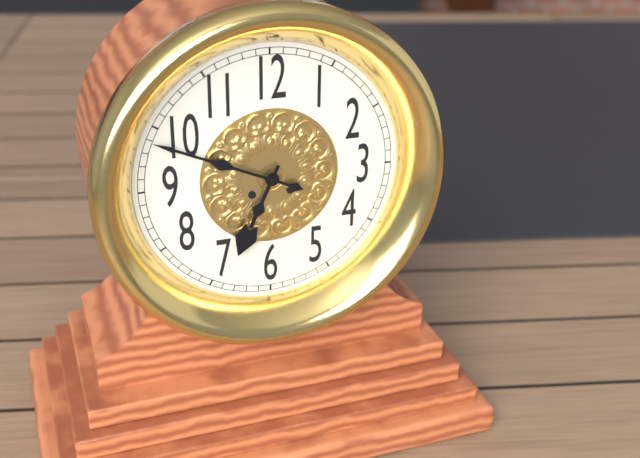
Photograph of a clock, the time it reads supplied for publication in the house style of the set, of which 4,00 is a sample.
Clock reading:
6,49
